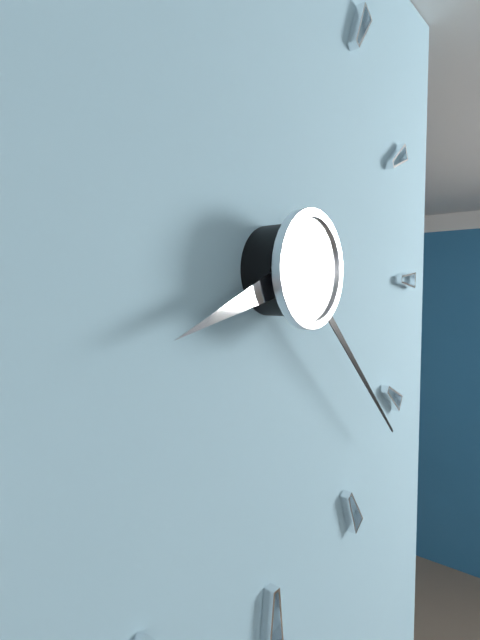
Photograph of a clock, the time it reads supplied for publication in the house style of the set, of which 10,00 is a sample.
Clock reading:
8,22
